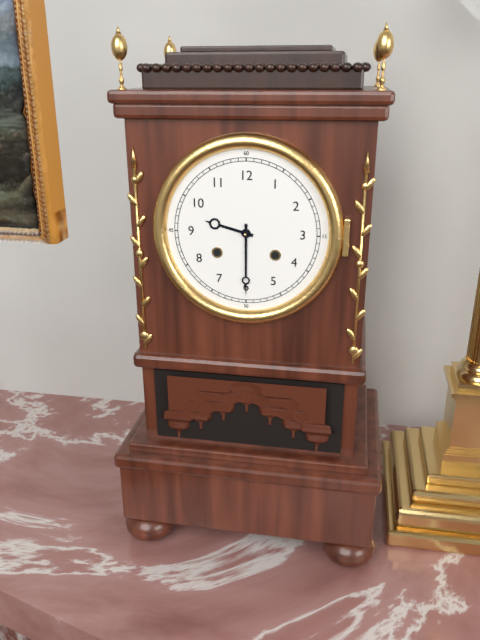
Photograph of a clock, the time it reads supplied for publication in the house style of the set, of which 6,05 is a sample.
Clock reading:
9,30
